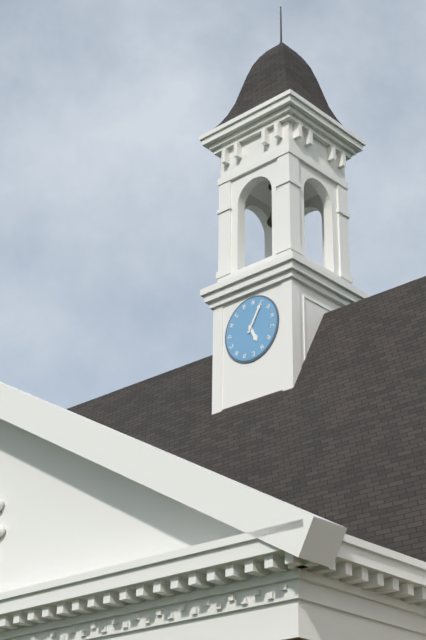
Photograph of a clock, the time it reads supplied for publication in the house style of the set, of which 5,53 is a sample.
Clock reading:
5,05
